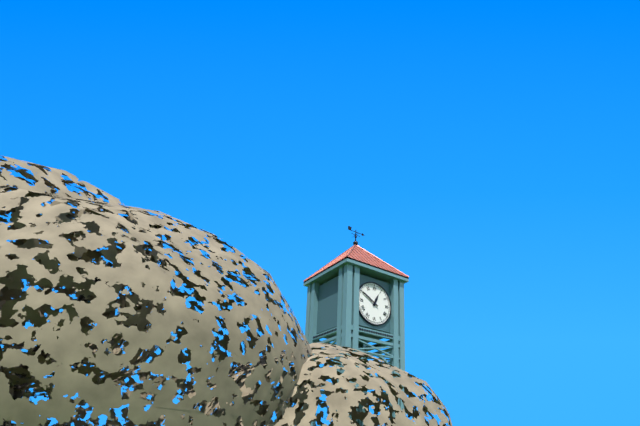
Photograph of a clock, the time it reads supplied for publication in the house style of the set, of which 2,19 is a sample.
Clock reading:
12,50
